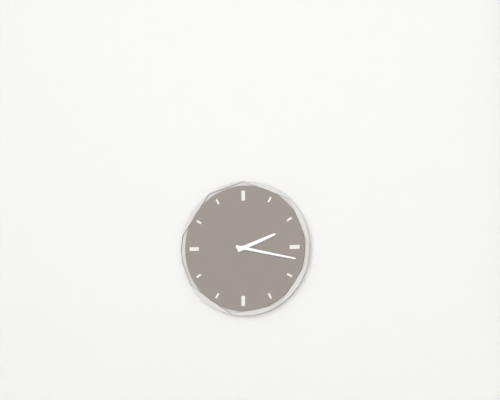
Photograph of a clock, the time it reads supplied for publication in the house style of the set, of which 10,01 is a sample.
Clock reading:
2,17
